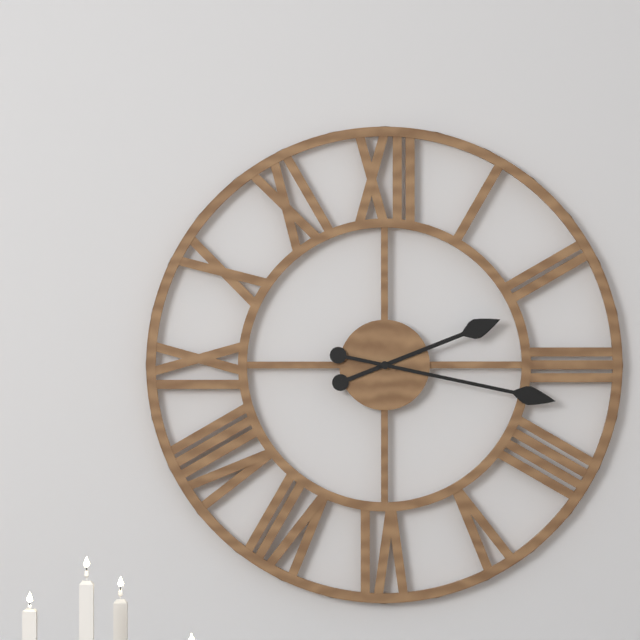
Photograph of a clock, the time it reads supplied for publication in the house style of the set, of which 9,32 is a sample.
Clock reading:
2,17
